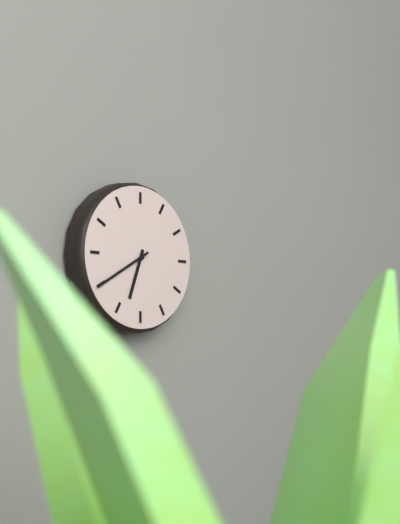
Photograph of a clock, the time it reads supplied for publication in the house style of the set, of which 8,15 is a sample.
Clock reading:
6,40
